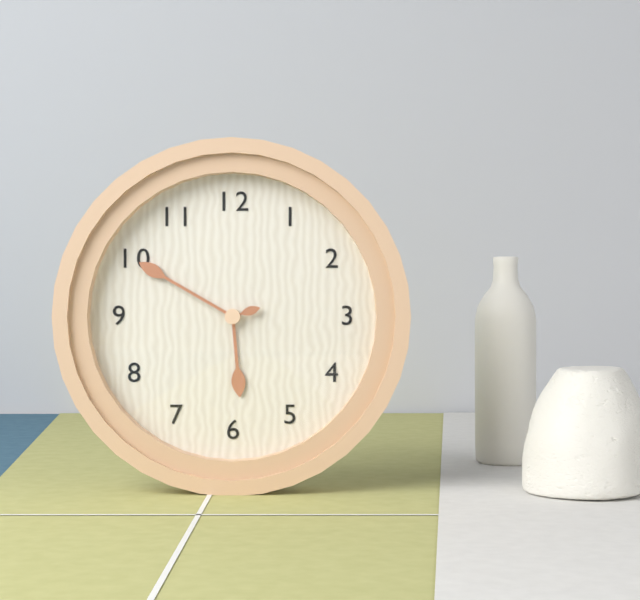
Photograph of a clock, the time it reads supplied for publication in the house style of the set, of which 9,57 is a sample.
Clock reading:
5,50
